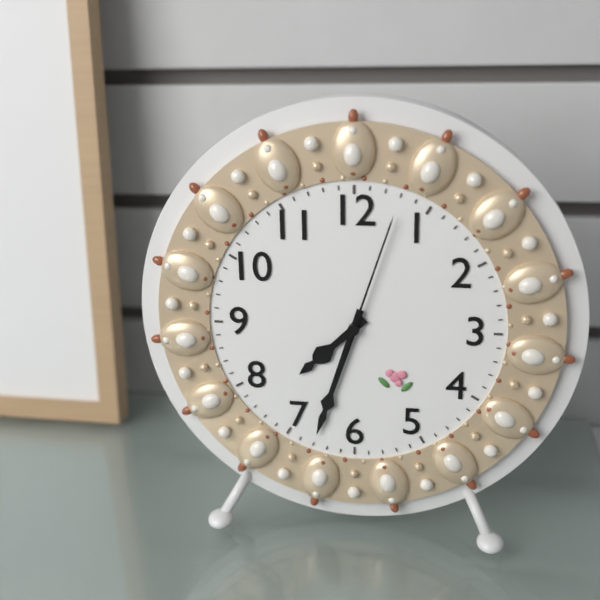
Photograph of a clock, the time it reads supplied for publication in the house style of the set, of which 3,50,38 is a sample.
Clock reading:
7,33,03
